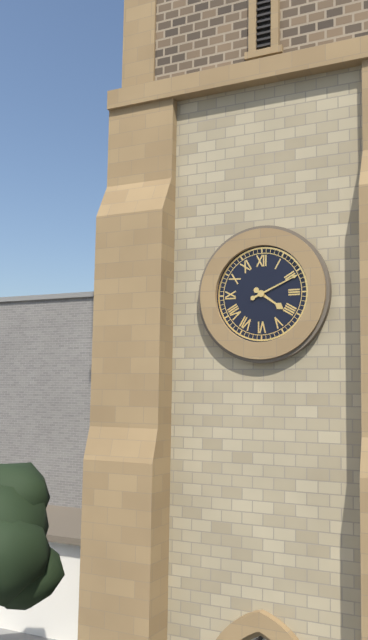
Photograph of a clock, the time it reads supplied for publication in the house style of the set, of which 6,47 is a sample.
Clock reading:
4,11
